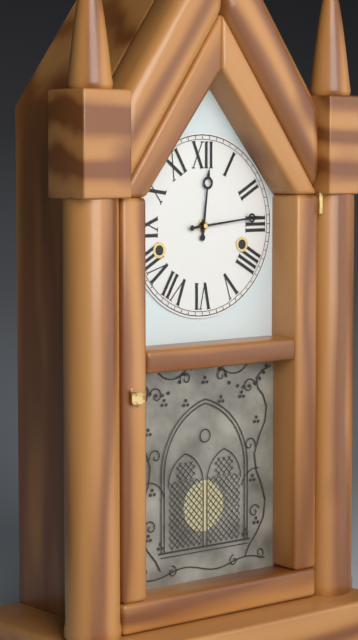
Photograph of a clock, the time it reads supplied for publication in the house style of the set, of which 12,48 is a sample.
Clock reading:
12,14
